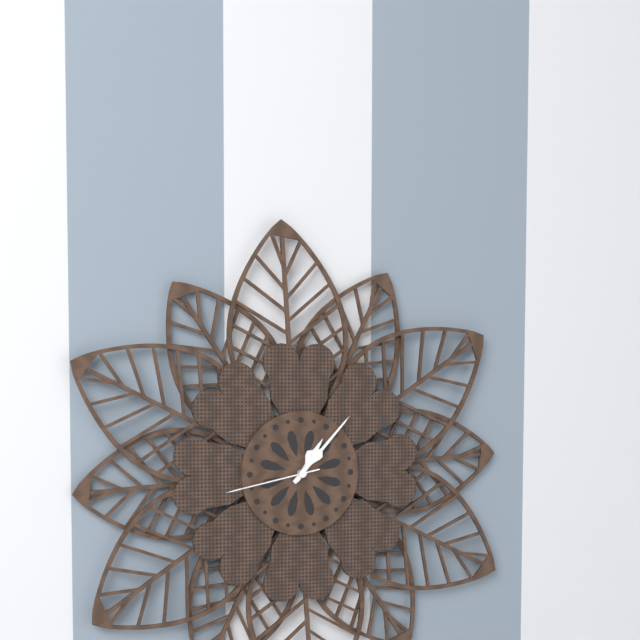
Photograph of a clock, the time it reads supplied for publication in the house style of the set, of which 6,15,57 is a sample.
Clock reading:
1,07,43
